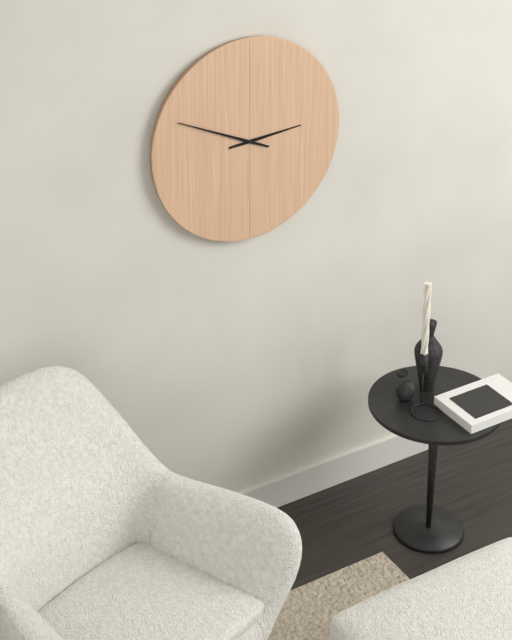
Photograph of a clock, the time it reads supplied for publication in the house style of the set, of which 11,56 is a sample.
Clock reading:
2,49
